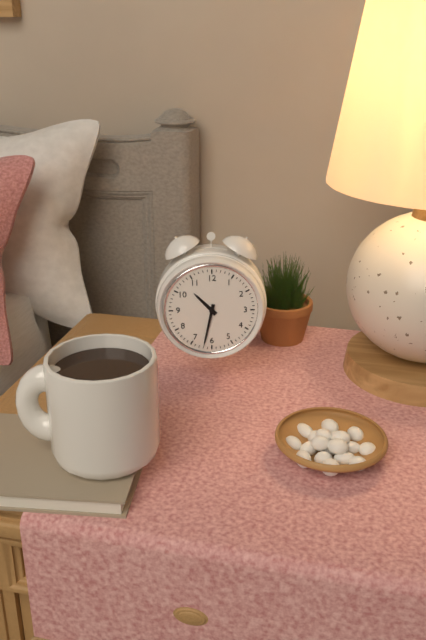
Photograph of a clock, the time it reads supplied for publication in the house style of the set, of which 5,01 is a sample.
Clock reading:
10,32
